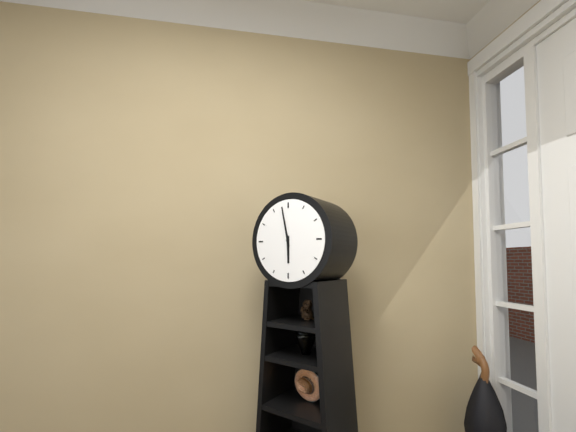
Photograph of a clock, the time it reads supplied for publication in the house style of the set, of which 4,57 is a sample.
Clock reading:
5,58
